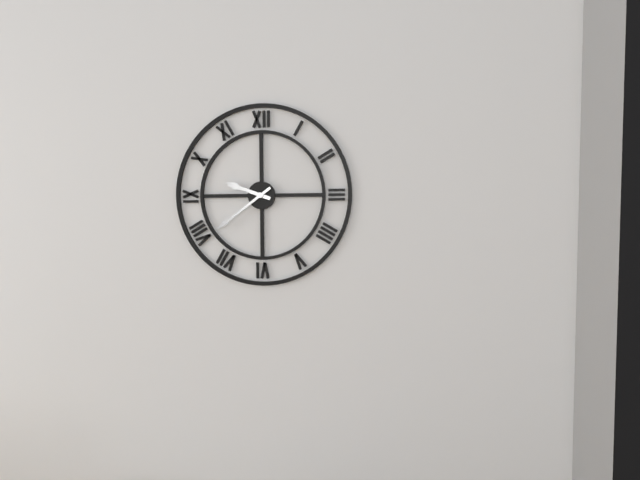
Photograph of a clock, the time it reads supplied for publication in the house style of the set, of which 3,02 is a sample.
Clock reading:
9,39
